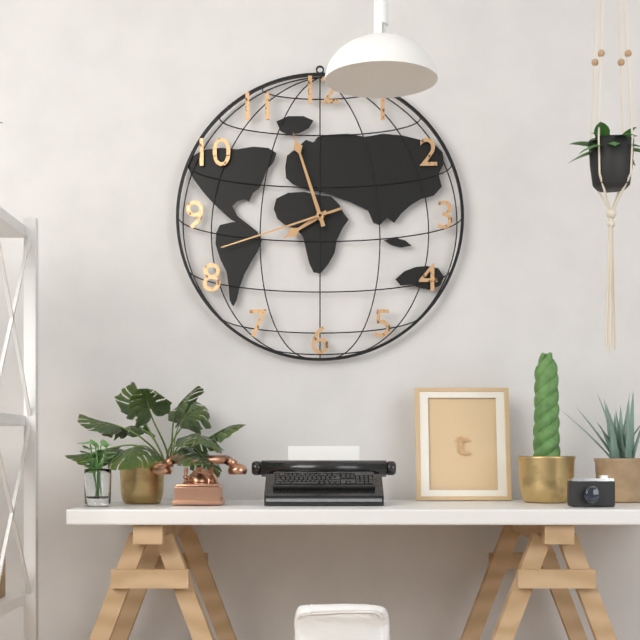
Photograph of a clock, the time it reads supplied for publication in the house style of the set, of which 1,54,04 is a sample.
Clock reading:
7,57,42
